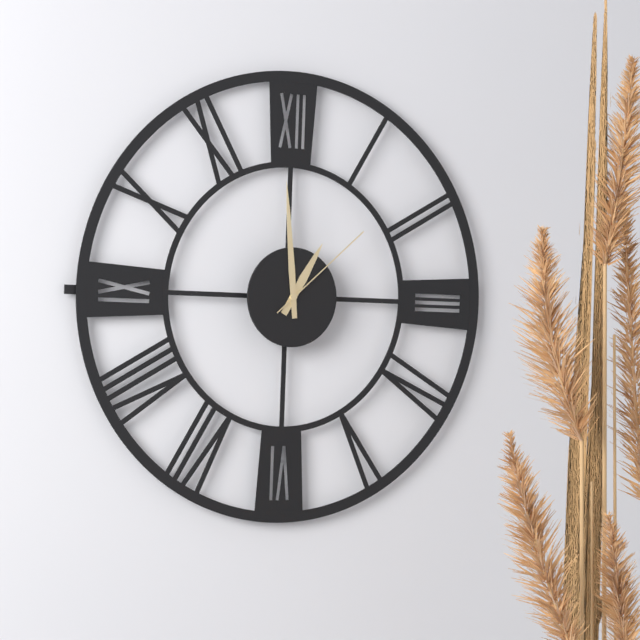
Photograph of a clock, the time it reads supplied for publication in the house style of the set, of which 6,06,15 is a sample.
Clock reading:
12,59,08
